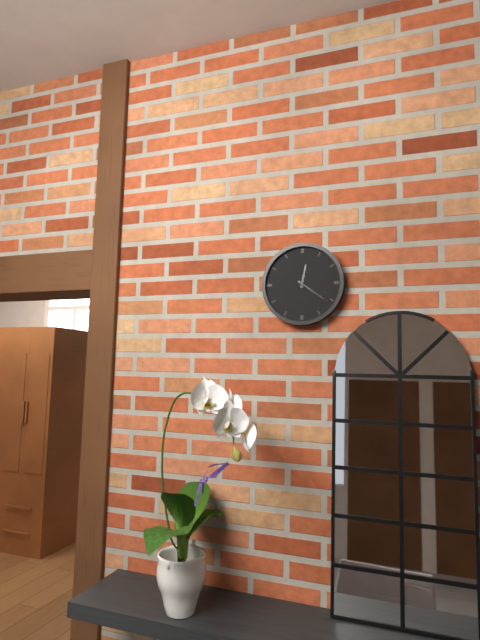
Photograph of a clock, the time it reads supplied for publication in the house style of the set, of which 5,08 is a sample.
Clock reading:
12,21
